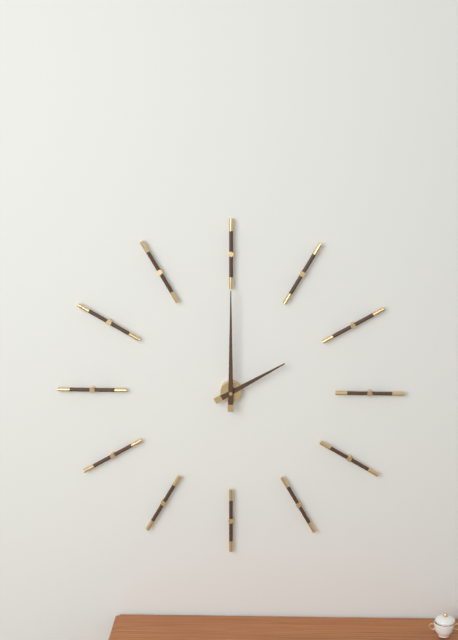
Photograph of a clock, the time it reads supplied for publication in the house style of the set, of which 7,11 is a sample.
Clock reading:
2,00
